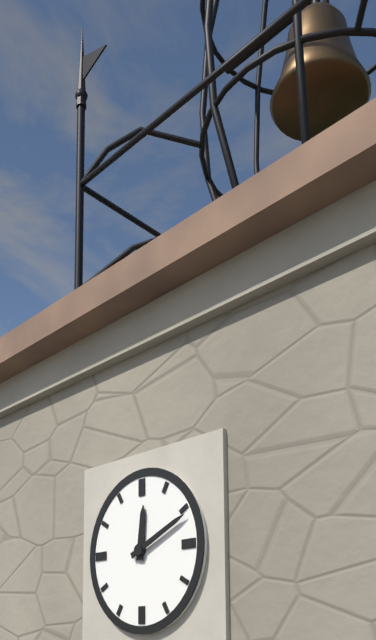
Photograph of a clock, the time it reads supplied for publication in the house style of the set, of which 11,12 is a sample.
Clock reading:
12,11
